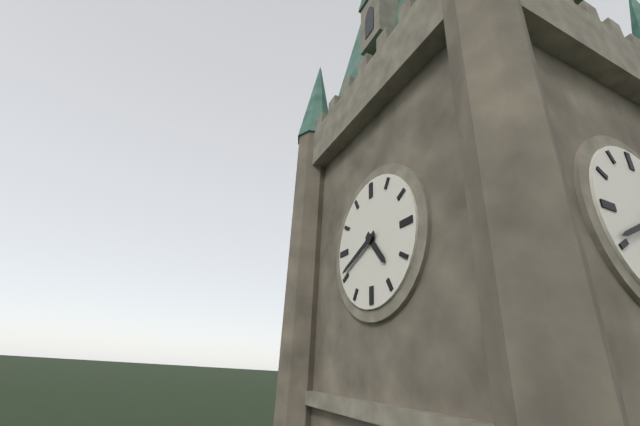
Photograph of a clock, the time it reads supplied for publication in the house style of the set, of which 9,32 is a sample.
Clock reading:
4,41
